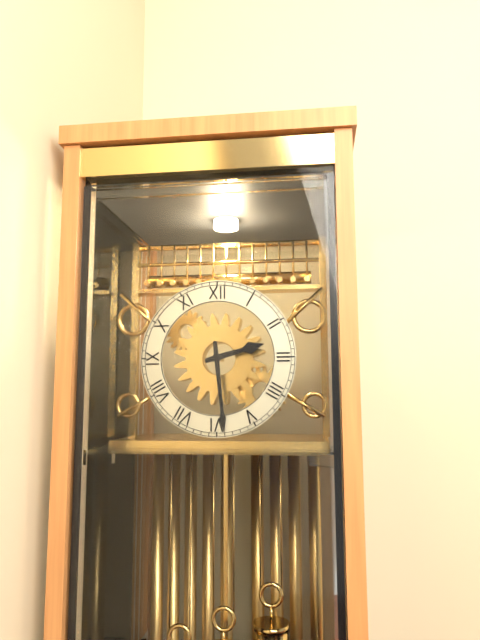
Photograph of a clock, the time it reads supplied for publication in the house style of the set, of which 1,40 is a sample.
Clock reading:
2,29
